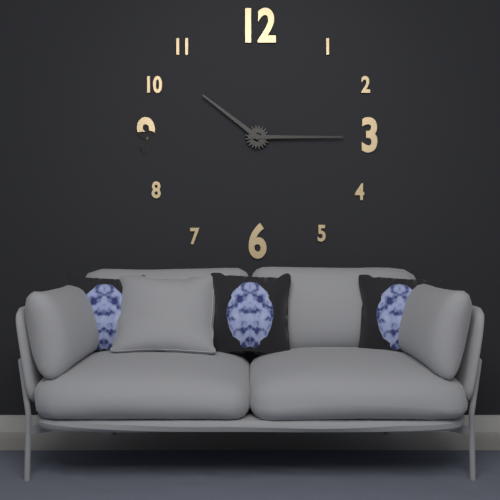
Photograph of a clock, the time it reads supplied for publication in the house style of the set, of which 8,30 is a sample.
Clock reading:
10,15
